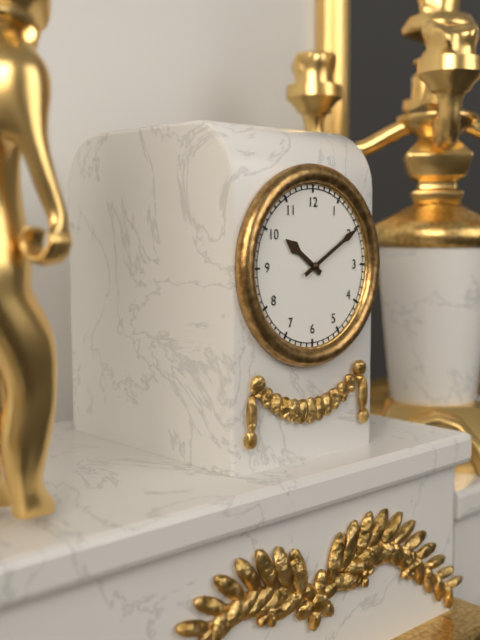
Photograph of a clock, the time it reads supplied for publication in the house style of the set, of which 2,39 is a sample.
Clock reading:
10,10
